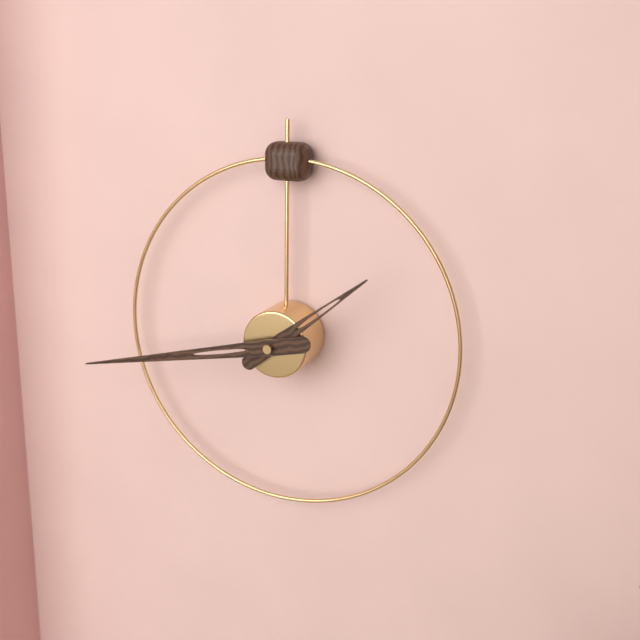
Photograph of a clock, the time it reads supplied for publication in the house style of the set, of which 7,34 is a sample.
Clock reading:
1,43
